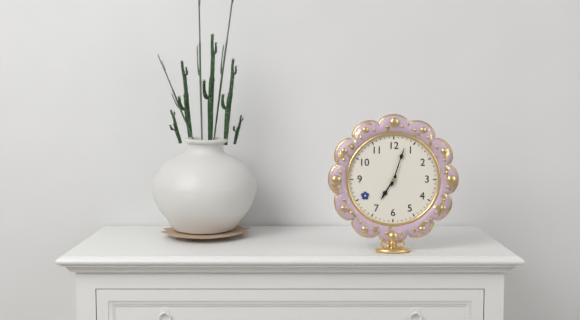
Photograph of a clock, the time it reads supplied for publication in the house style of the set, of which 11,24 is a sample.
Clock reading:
7,03
